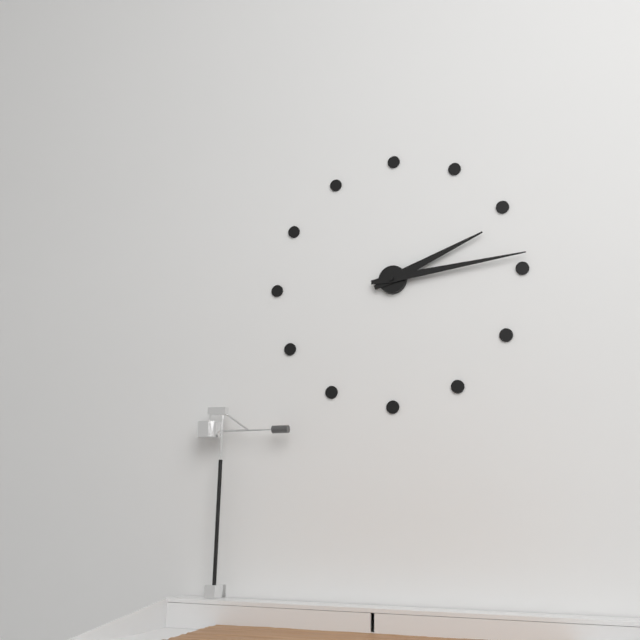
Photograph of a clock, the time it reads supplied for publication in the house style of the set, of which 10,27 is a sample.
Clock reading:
2,14
